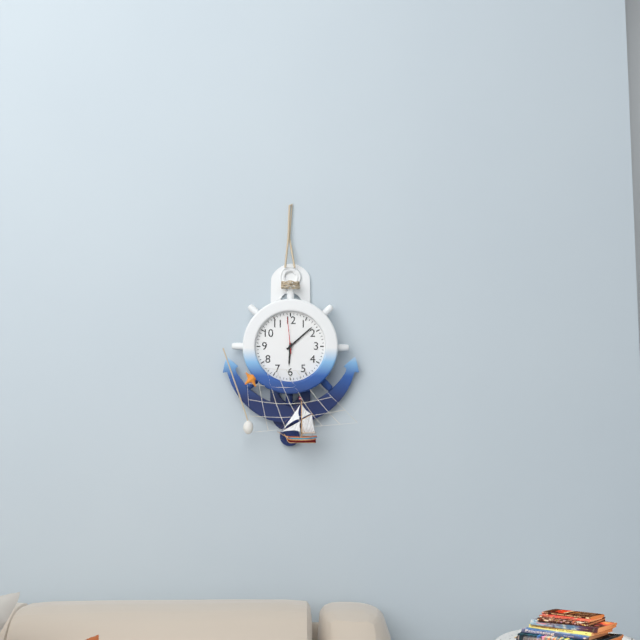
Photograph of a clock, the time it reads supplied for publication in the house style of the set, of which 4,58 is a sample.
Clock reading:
6,08
